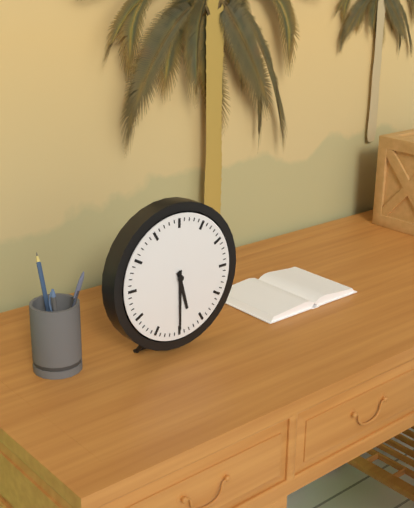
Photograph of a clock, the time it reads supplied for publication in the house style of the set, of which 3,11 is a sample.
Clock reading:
5,30
